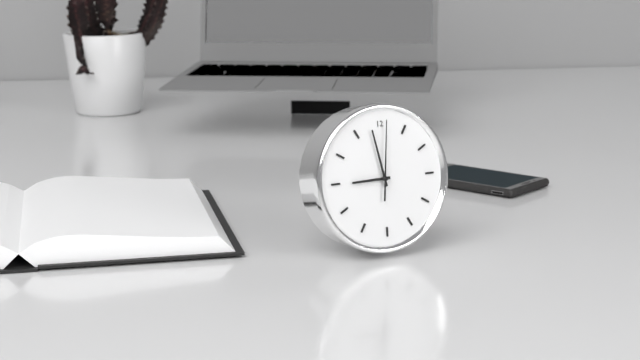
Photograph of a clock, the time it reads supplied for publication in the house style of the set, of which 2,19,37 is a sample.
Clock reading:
8,58,01
